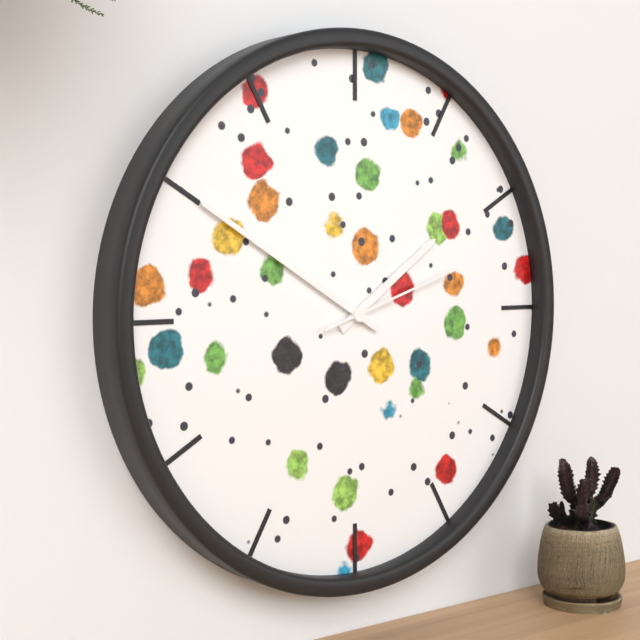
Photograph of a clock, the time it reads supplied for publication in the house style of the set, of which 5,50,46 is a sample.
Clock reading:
1,50,12
